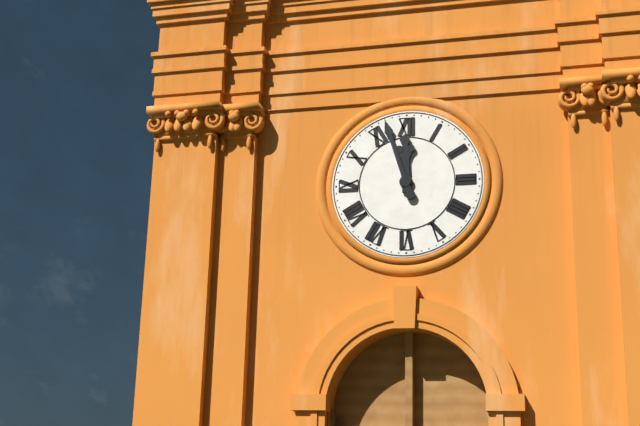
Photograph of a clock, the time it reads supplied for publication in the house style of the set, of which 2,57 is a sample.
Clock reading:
11,57
